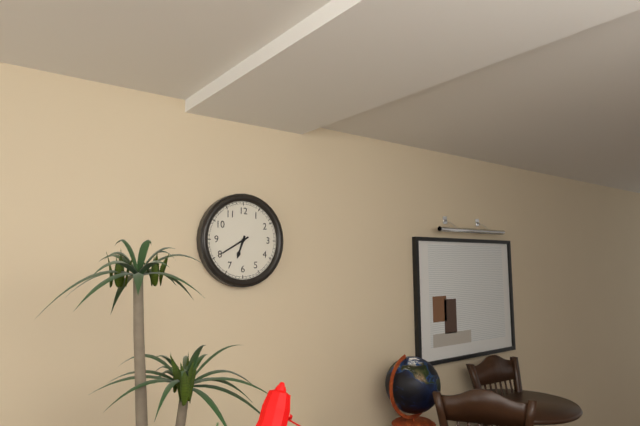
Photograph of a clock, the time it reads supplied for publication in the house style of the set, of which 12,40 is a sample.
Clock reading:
6,40
